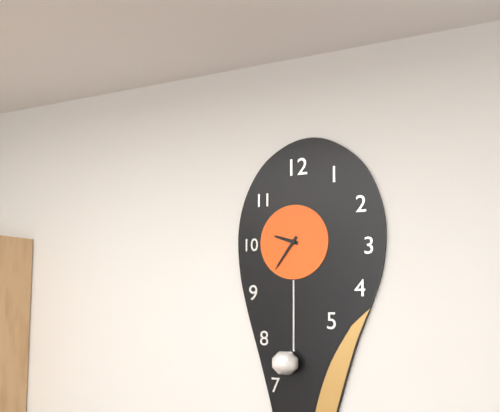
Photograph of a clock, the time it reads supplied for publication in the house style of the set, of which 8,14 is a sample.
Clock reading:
9,36
